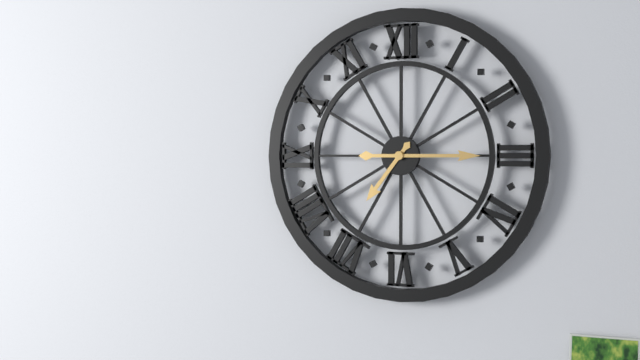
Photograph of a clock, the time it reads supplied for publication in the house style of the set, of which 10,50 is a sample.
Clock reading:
7,15
